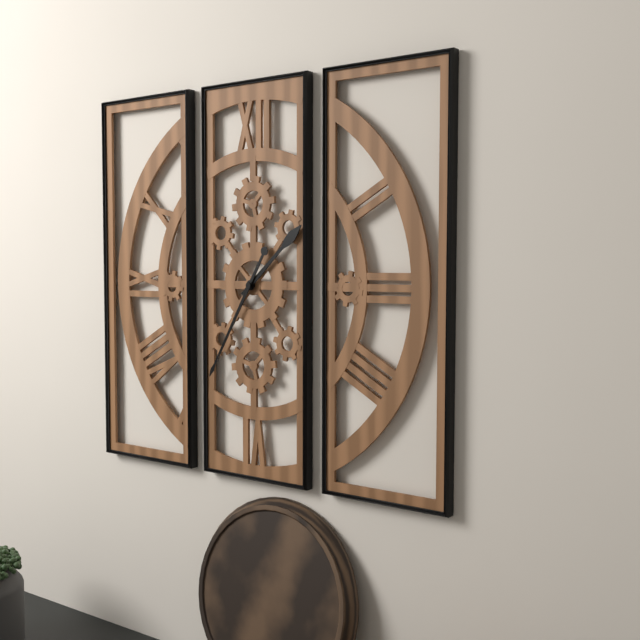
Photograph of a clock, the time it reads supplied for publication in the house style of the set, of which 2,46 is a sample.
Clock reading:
1,35
